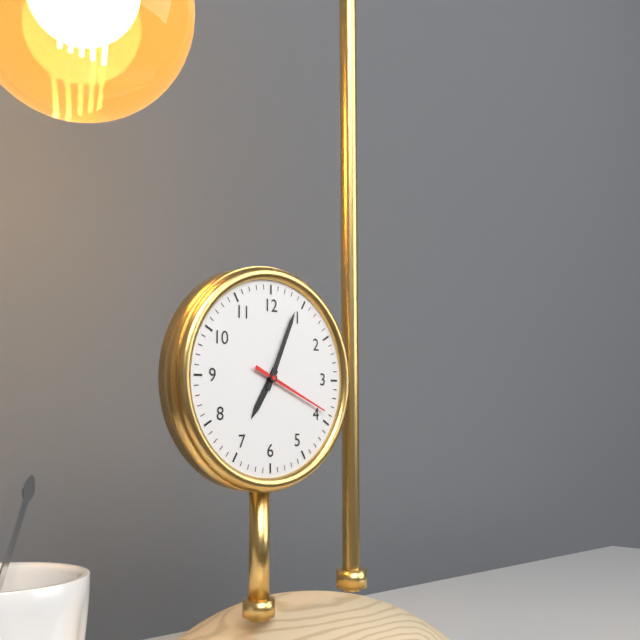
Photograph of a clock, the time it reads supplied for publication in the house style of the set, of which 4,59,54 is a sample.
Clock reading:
7,04,19
